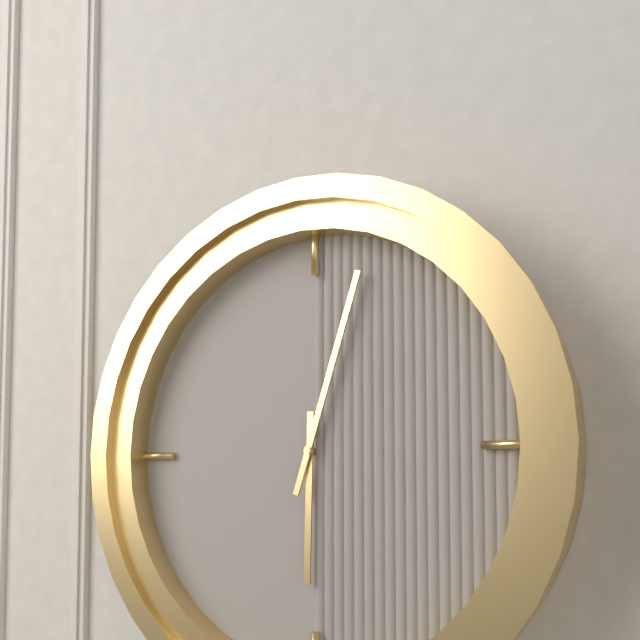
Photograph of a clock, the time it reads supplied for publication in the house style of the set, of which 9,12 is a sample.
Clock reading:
6,03
